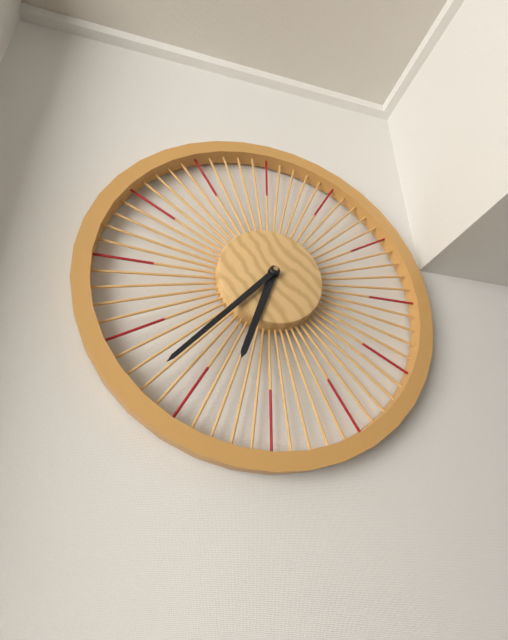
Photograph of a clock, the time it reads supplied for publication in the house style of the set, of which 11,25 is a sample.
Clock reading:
6,37
